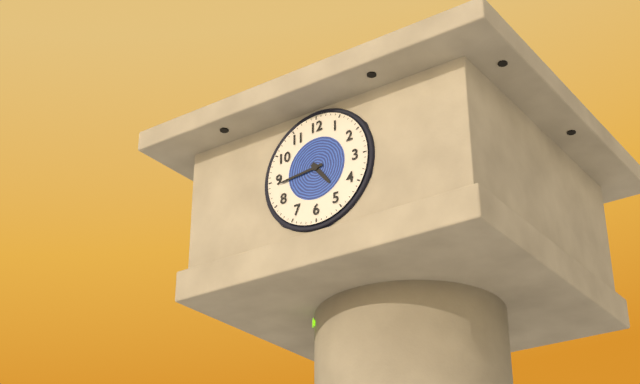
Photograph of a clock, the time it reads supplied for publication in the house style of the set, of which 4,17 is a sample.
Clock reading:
4,44
